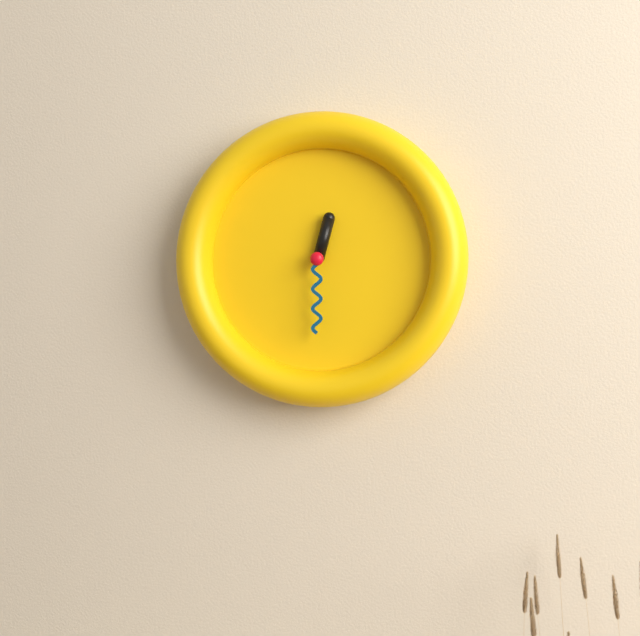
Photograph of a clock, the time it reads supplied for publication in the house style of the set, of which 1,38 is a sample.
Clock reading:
12,30
